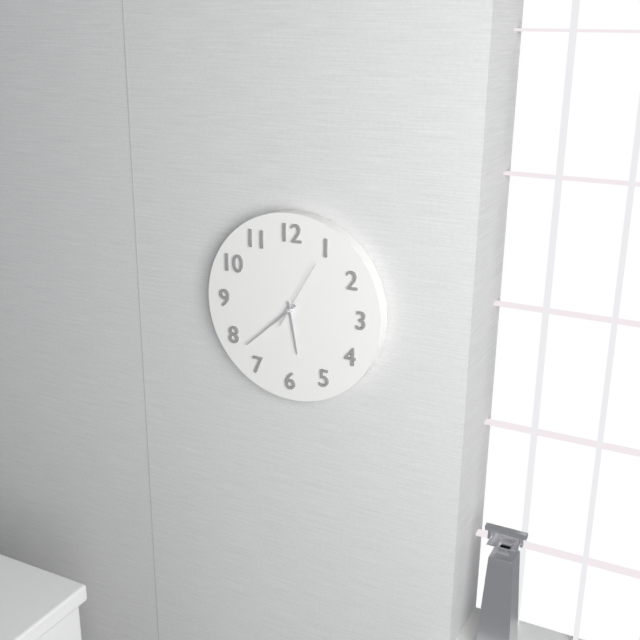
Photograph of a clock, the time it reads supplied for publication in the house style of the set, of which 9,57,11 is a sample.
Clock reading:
5,38,05
